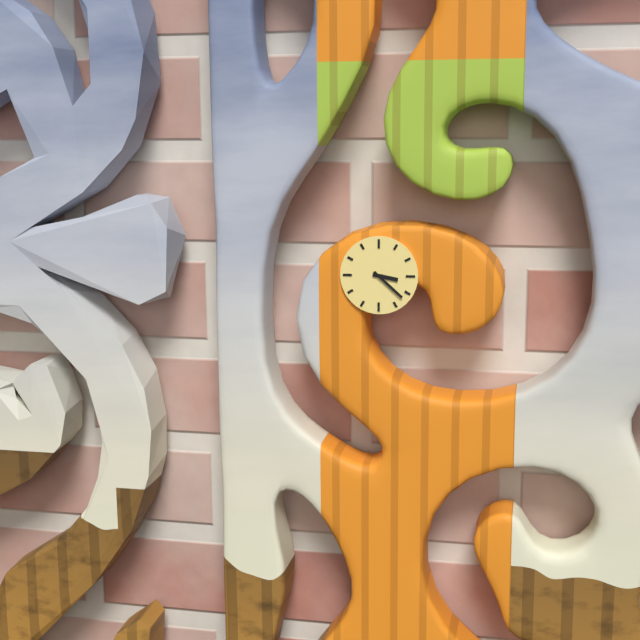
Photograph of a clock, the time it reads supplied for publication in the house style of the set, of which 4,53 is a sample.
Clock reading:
3,22
